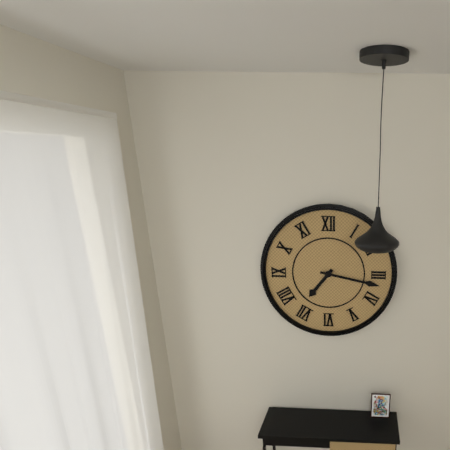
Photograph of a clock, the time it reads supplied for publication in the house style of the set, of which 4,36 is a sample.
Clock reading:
7,17
